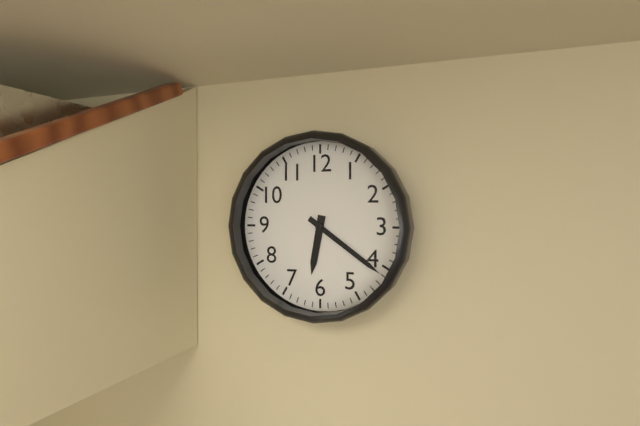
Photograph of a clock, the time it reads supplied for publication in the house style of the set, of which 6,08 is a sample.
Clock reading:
6,21
